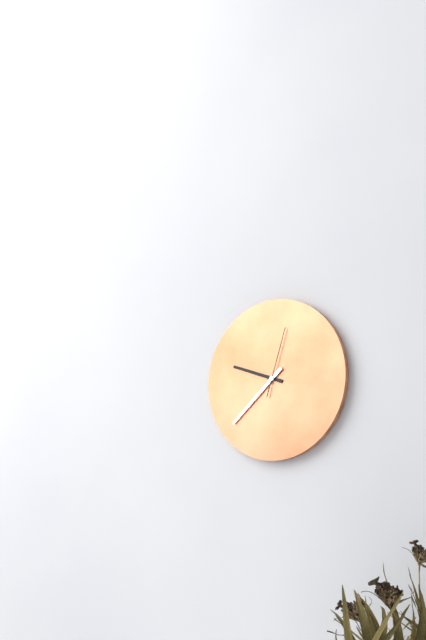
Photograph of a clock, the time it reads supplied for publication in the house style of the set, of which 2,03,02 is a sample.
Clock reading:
9,38,03
